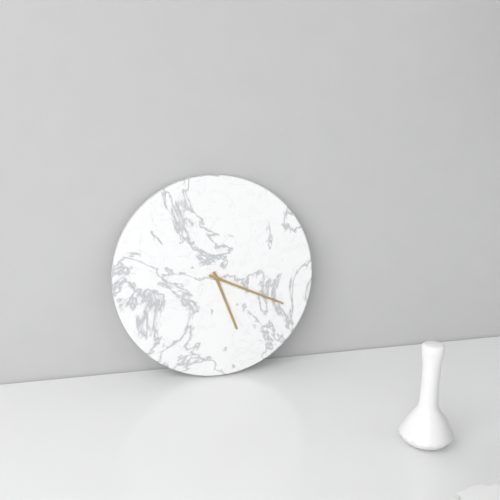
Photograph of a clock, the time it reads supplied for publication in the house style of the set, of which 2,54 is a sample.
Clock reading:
5,19
